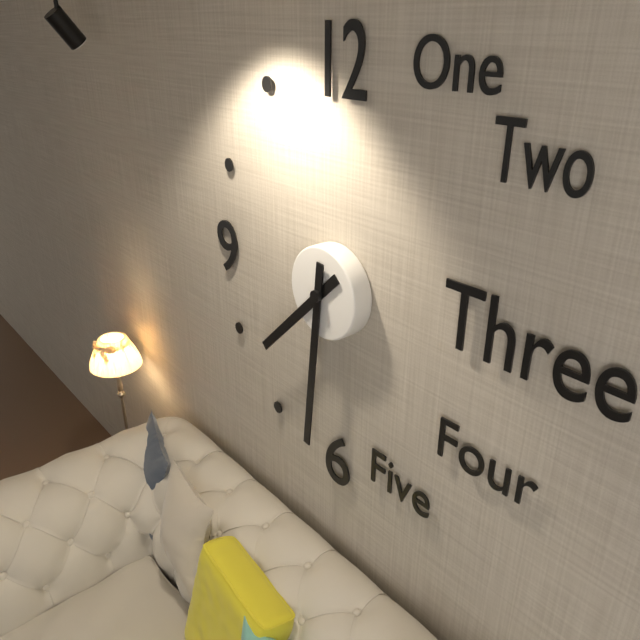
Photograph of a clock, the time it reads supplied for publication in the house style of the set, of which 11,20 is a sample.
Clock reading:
7,31
